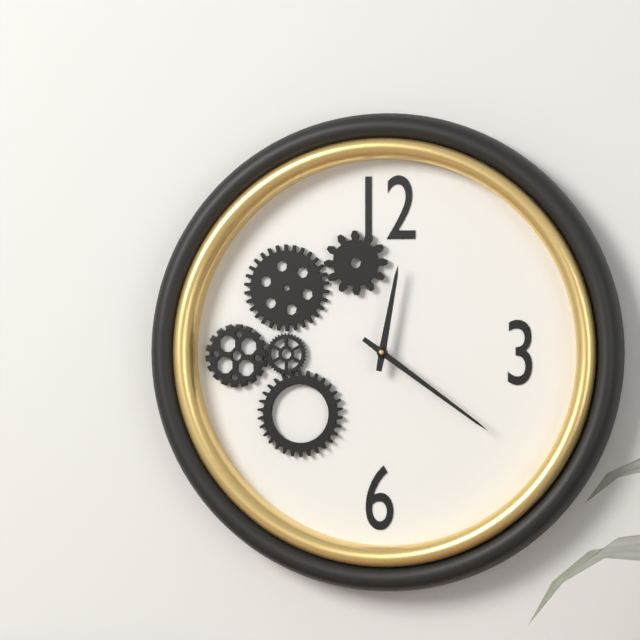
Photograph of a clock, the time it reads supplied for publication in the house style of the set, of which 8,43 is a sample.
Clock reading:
12,21
